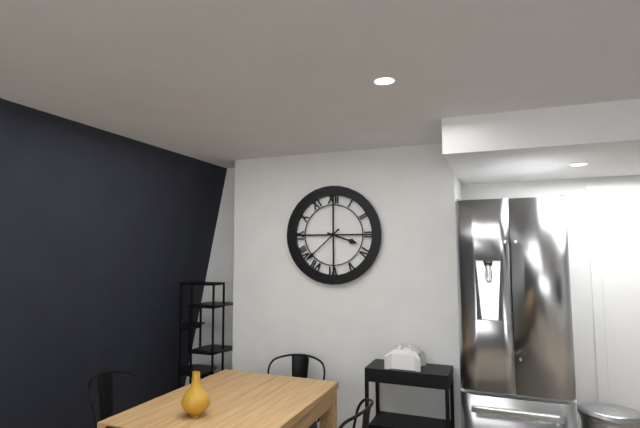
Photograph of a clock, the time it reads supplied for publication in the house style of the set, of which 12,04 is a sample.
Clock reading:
3,38
